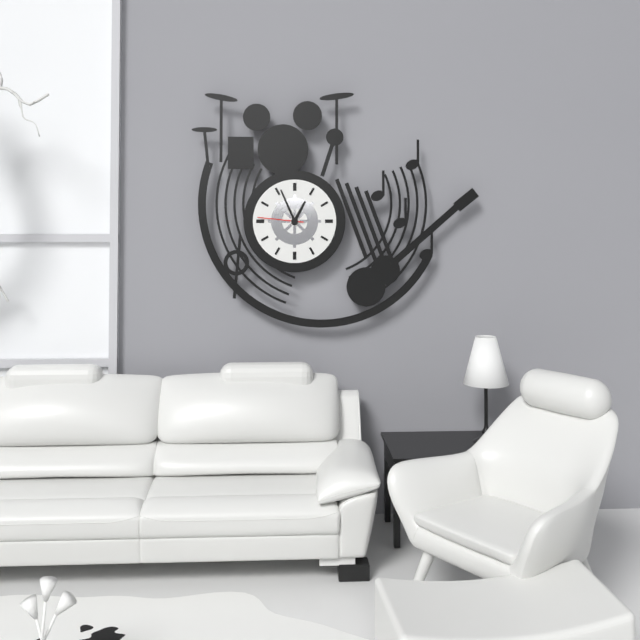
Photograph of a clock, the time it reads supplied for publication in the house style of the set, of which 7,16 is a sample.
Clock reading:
12,56
